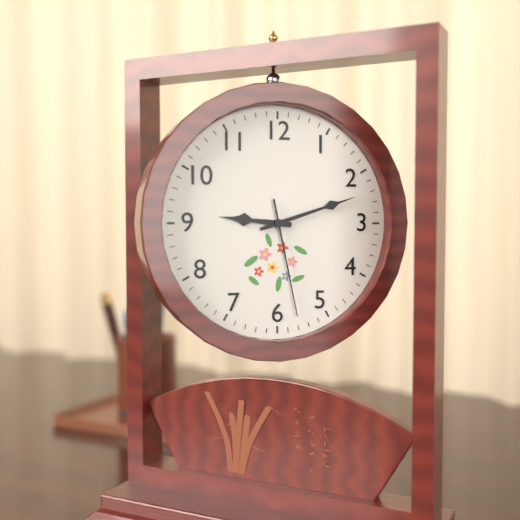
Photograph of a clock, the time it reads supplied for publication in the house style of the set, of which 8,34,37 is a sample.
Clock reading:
9,12,28
